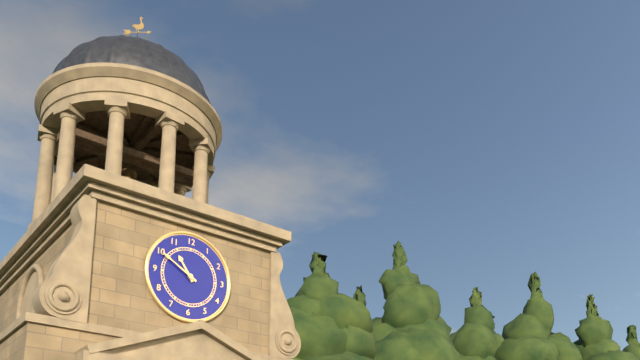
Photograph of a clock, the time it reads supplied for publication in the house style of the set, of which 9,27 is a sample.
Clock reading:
10,50
